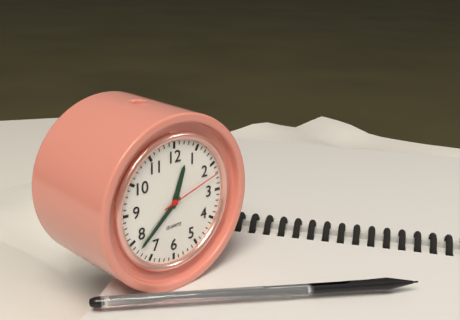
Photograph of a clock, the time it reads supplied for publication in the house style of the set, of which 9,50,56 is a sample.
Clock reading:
12,38,12
